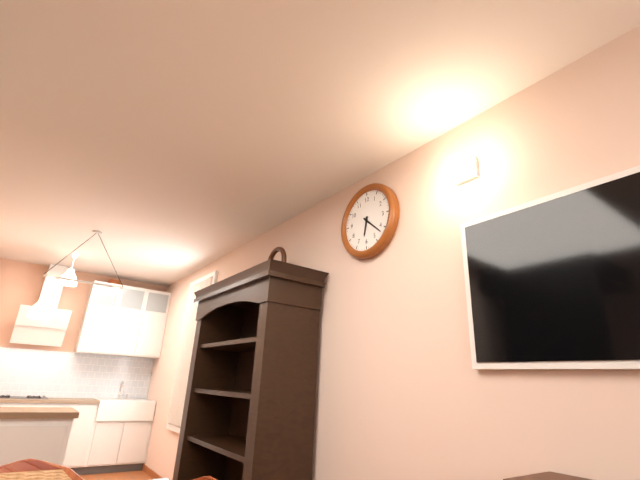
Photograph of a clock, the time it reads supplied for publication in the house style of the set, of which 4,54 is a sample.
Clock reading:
6,22
